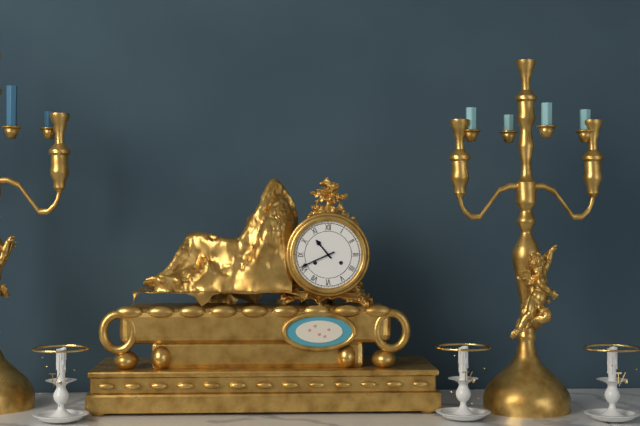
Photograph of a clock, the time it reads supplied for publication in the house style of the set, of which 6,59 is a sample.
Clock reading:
10,41
